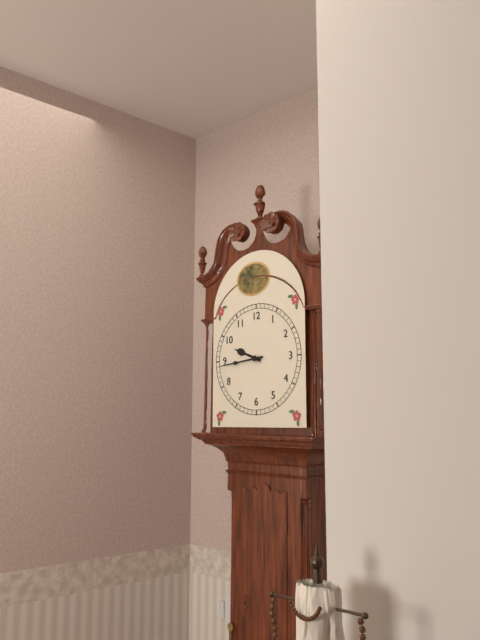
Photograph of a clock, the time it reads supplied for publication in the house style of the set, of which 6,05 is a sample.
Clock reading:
9,44
